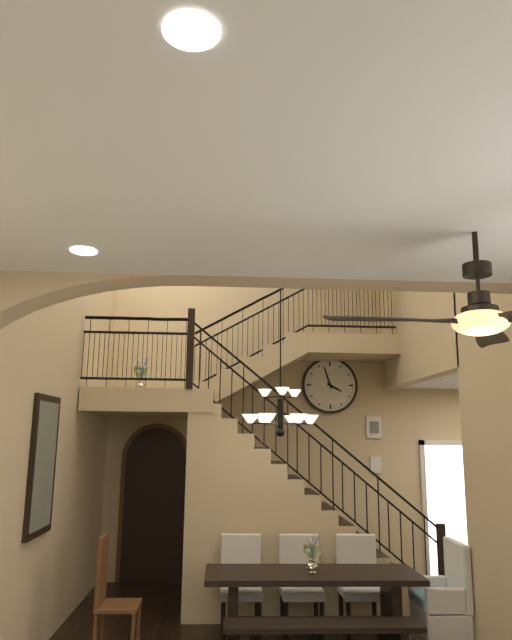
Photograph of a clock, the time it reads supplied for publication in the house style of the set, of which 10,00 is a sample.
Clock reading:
3,57
